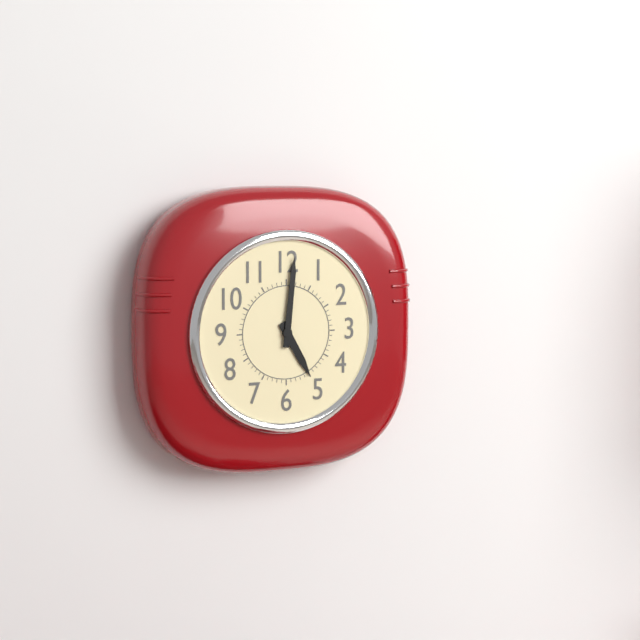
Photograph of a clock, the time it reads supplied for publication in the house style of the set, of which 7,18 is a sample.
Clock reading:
5,01
